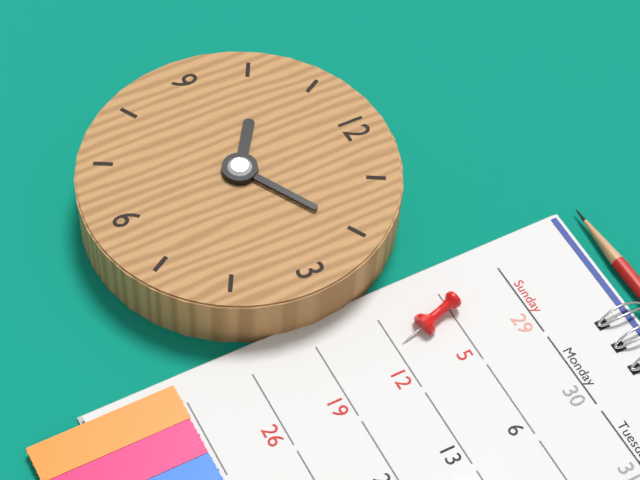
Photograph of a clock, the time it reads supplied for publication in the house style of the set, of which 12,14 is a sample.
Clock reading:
10,10
